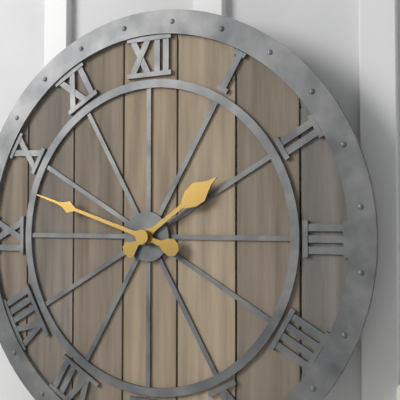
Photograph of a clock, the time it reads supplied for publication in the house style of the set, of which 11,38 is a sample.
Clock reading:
1,48
